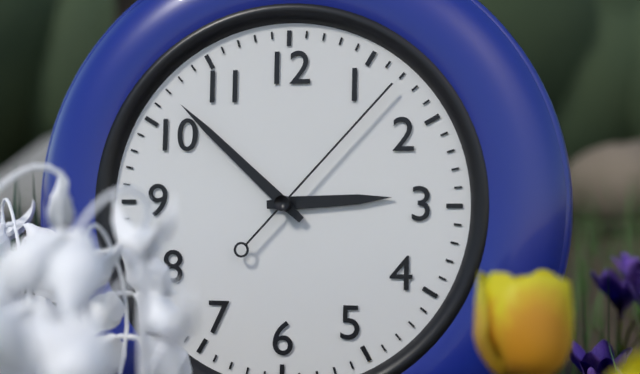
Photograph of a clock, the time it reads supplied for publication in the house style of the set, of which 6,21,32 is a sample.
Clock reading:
2,52,07
